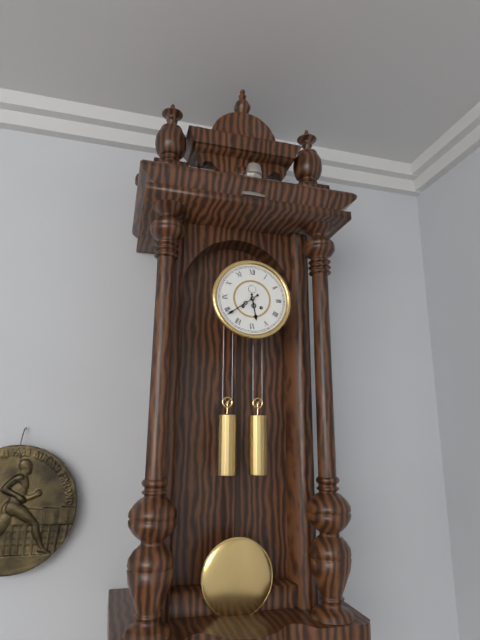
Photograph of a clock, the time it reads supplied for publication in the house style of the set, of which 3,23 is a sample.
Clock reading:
5,39
